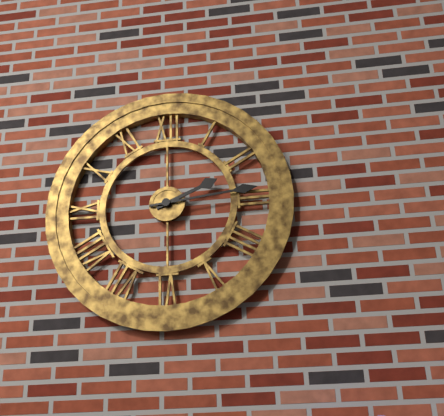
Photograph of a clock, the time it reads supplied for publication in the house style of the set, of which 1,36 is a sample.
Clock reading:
2,14
